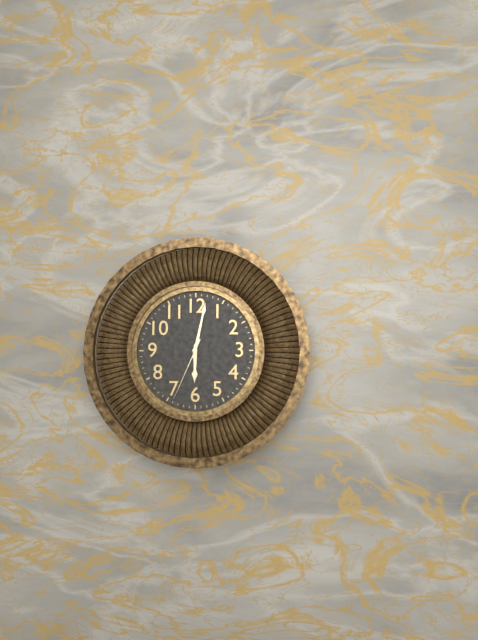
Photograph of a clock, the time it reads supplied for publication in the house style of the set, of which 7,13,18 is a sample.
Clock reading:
6,02,34
